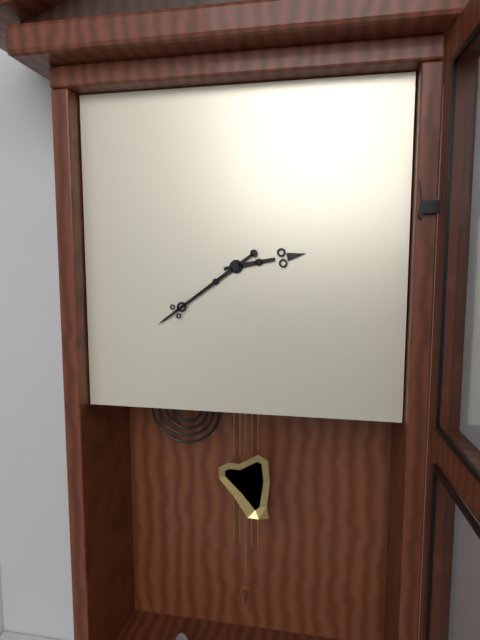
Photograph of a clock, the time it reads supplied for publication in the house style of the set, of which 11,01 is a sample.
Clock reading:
2,39
